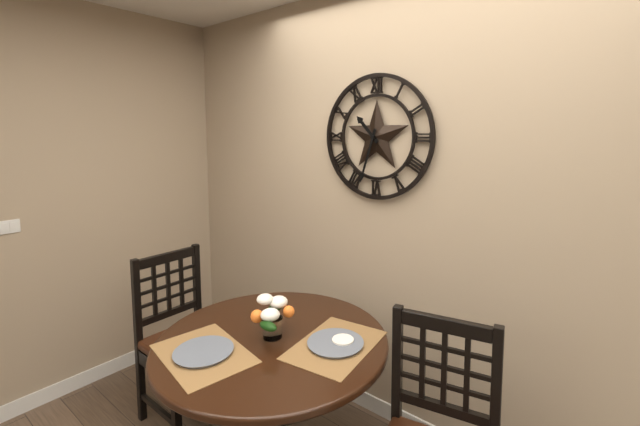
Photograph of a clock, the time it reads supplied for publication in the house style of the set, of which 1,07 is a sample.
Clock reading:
10,33
